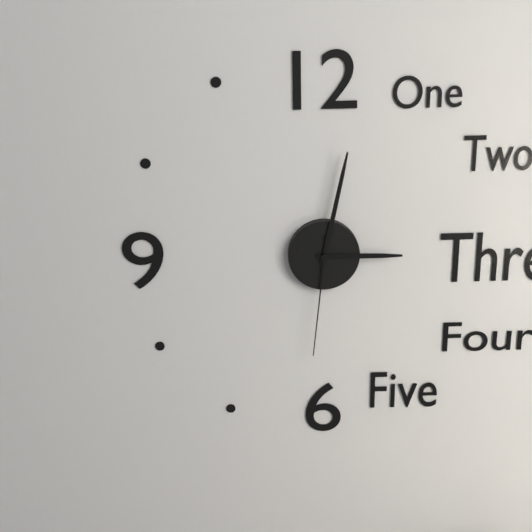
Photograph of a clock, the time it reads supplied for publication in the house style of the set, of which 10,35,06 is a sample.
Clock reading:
3,02,31
